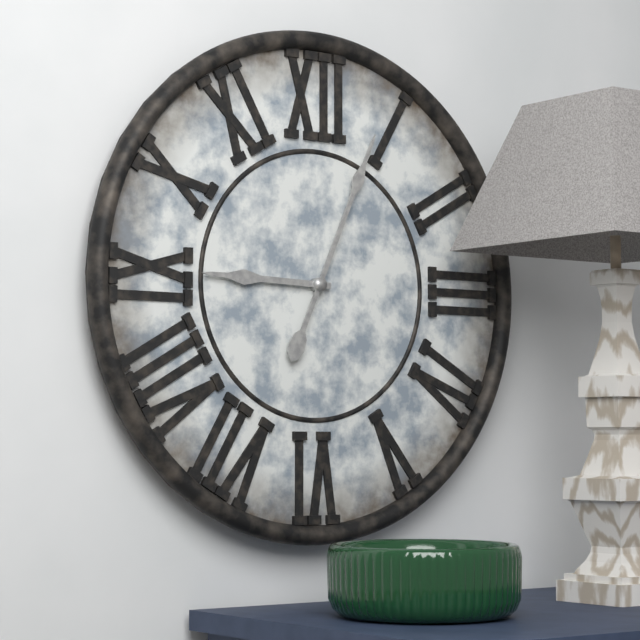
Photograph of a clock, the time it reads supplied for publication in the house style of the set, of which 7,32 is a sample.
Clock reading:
9,04
